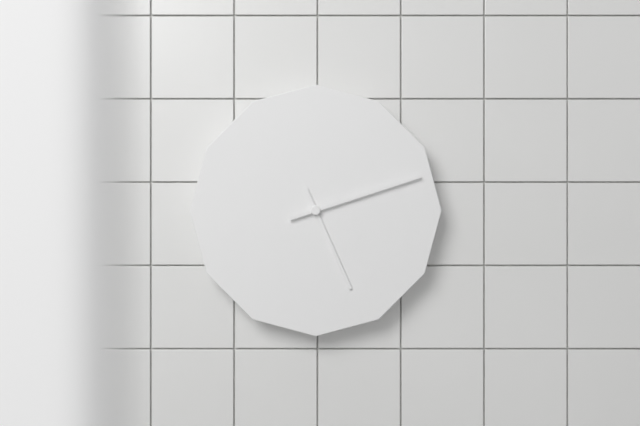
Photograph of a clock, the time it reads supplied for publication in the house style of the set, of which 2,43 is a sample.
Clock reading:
5,12
